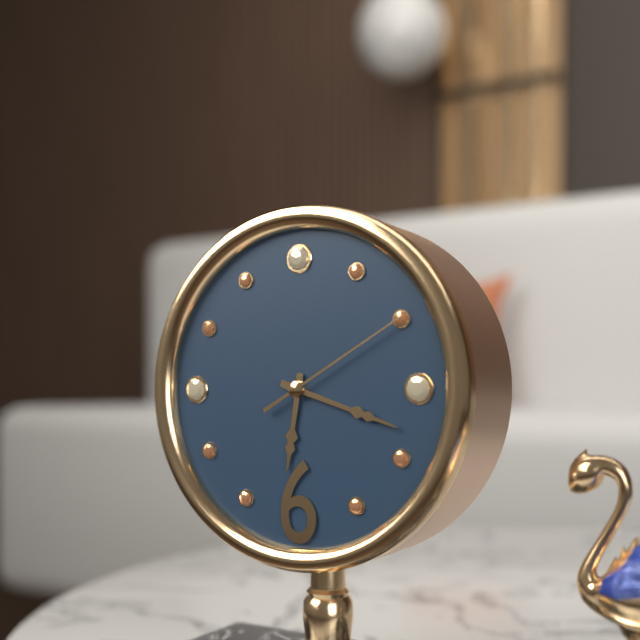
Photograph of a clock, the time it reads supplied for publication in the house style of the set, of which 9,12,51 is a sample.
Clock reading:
6,18,10
